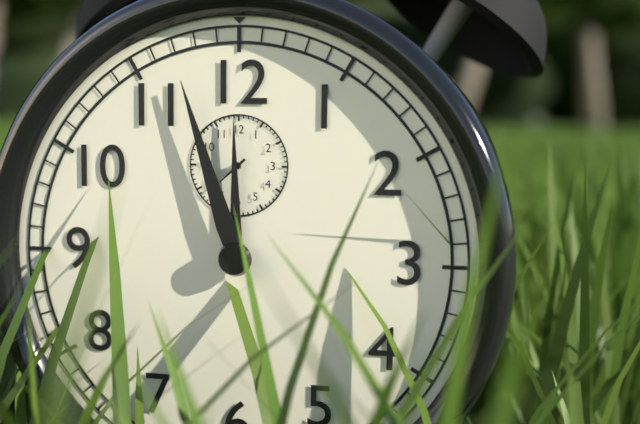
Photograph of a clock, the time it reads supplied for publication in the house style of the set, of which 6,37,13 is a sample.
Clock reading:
11,57,38
